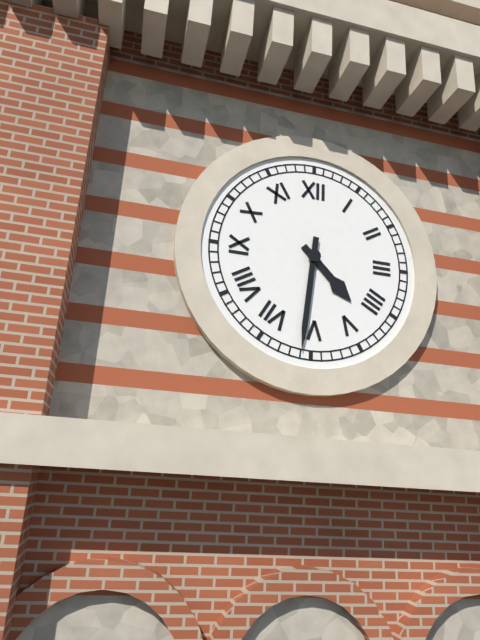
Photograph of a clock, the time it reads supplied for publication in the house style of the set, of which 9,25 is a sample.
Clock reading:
4,31
